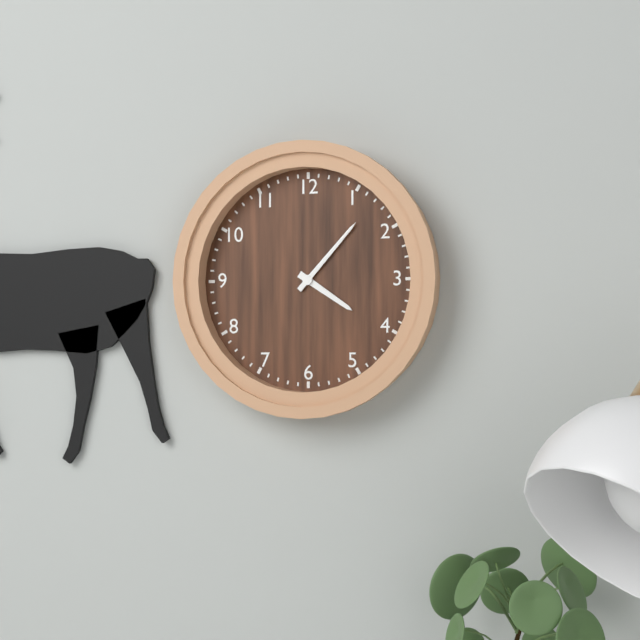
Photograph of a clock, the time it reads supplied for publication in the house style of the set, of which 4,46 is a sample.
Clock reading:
4,07
